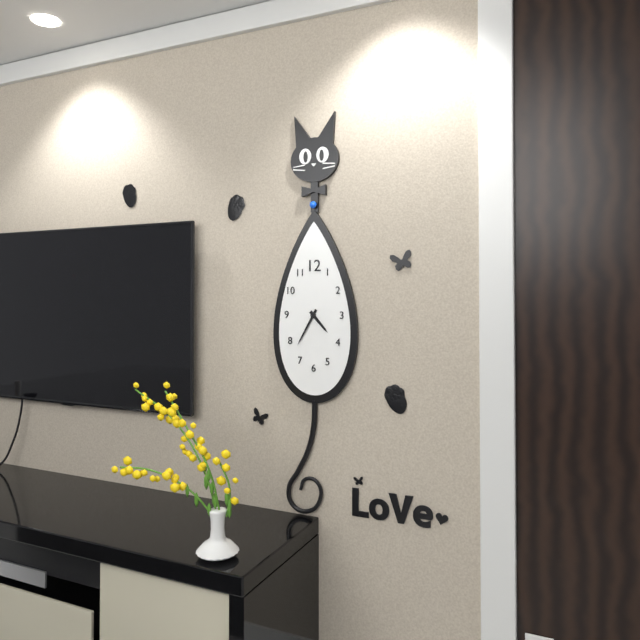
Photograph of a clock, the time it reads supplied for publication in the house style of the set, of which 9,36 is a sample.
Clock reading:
4,35
